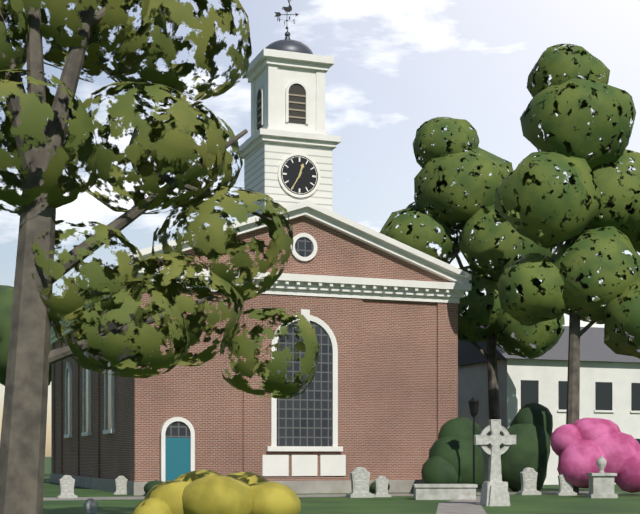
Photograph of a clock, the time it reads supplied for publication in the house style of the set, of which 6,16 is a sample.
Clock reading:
12,35
